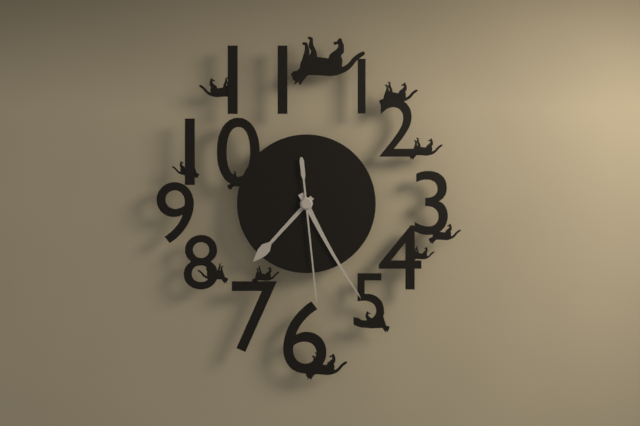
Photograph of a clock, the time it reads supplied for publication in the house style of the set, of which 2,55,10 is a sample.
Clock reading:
7,25,29
